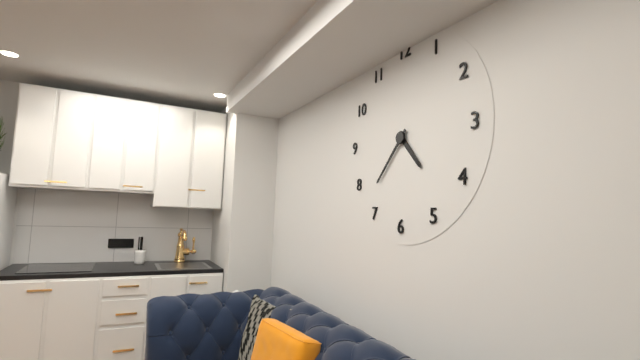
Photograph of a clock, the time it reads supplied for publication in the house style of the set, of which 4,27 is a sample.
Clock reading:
4,37
